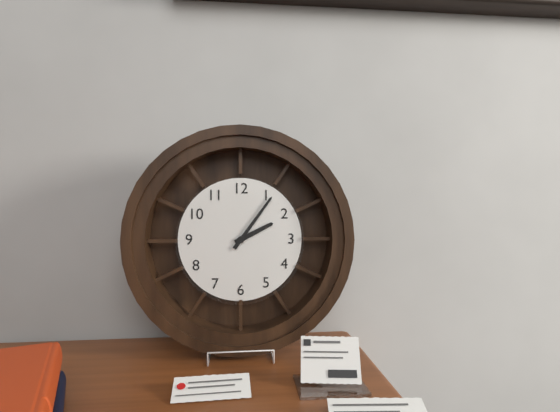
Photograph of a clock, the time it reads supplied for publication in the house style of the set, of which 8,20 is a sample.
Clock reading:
2,06
